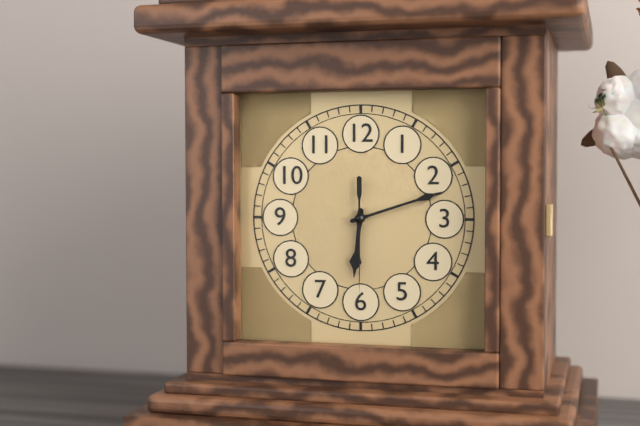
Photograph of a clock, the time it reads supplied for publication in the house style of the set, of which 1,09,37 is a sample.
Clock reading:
6,12,30
